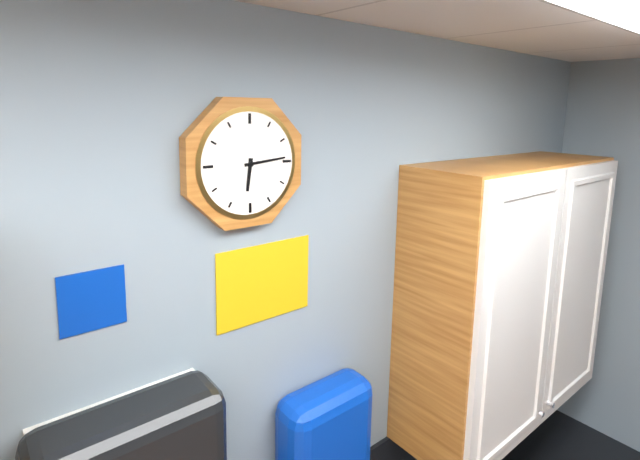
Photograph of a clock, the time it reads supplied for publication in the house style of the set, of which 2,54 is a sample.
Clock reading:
6,14
